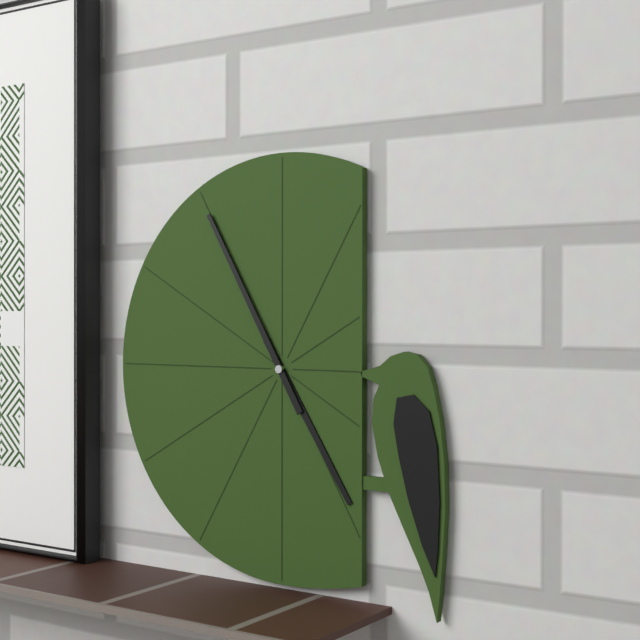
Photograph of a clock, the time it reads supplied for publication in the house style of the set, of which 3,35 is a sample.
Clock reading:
4,55
